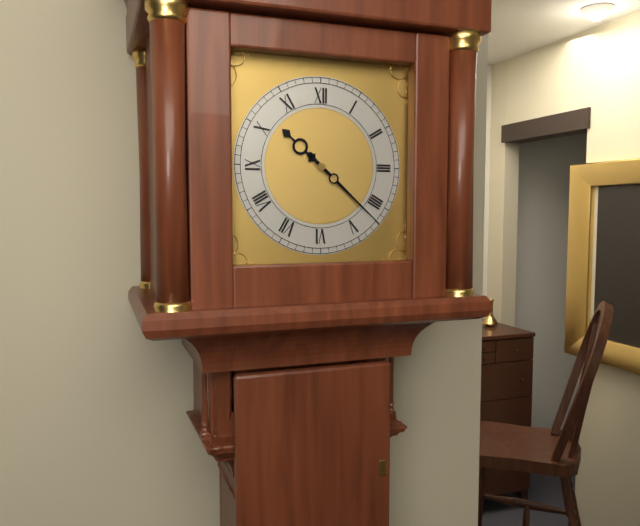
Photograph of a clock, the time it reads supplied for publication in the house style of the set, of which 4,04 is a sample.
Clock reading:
10,22
